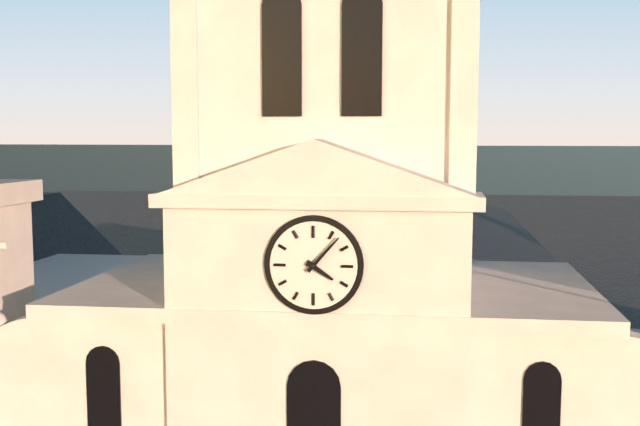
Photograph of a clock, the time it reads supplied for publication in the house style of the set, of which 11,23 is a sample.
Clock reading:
4,07
